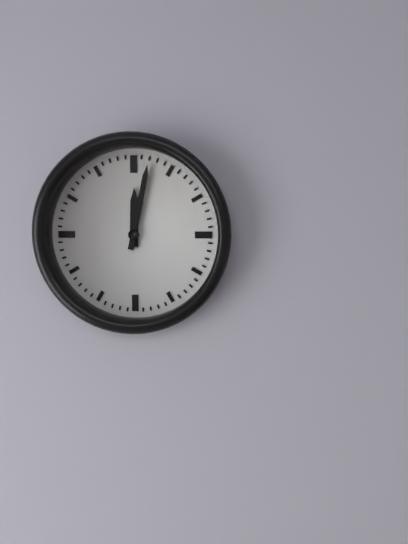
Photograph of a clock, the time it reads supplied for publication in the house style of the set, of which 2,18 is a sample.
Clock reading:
12,02
